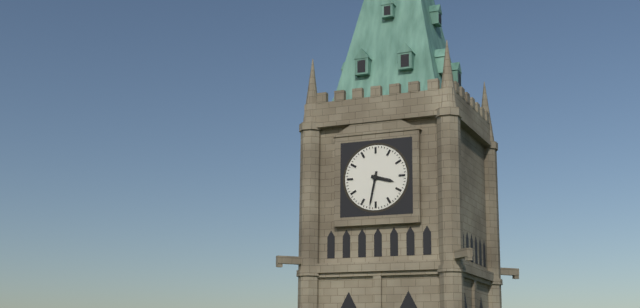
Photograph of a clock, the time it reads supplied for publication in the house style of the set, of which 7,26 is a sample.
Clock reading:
3,32
